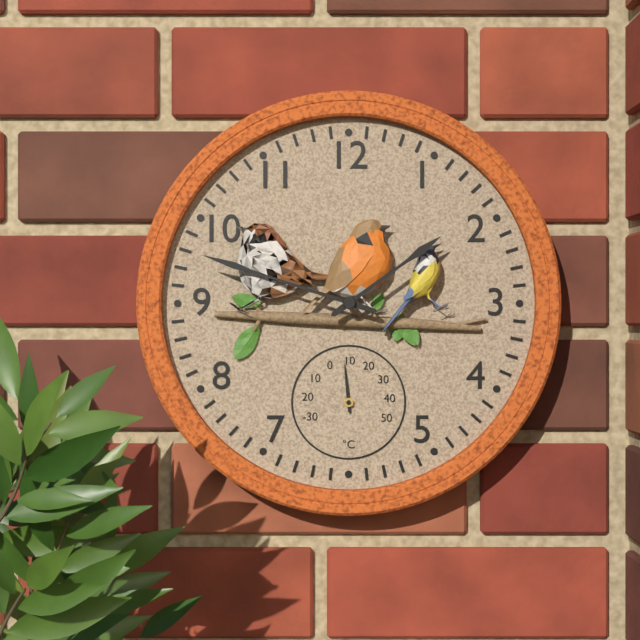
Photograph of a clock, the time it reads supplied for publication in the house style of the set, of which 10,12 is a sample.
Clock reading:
1,48
